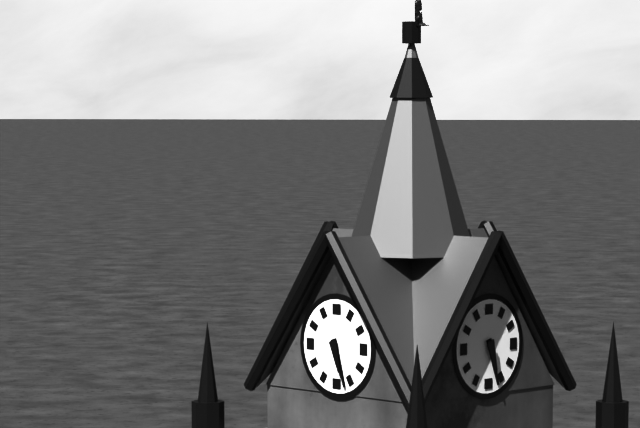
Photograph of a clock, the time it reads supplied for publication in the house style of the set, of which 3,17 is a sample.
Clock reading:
5,27
